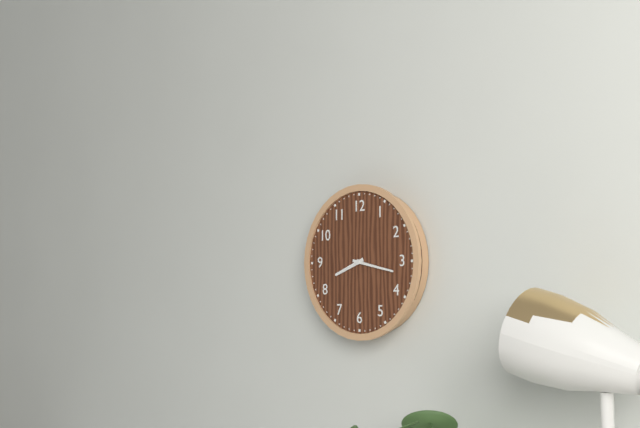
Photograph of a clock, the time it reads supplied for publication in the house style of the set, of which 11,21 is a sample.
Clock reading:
8,17
